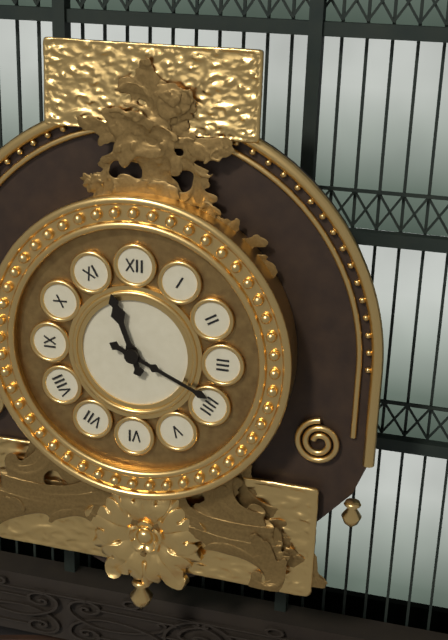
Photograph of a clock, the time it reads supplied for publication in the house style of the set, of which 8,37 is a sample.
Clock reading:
11,19
